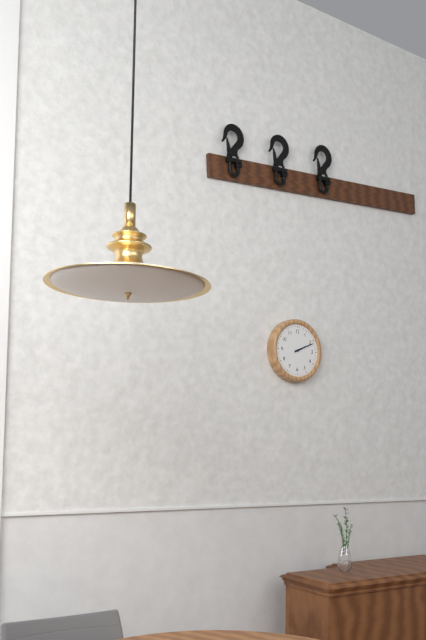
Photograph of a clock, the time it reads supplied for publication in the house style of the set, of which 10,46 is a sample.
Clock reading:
2,11
